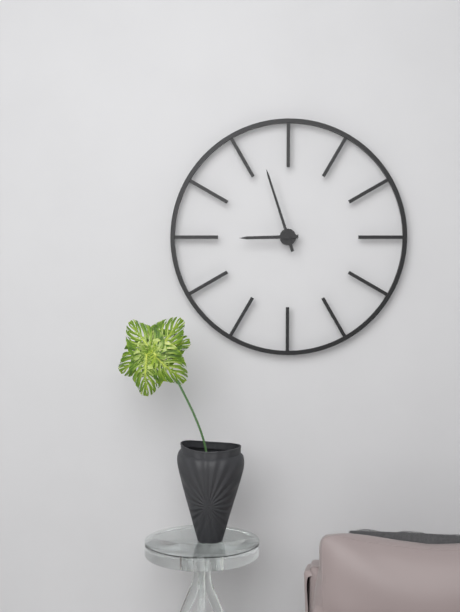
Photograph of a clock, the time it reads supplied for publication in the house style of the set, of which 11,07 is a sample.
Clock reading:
8,57
